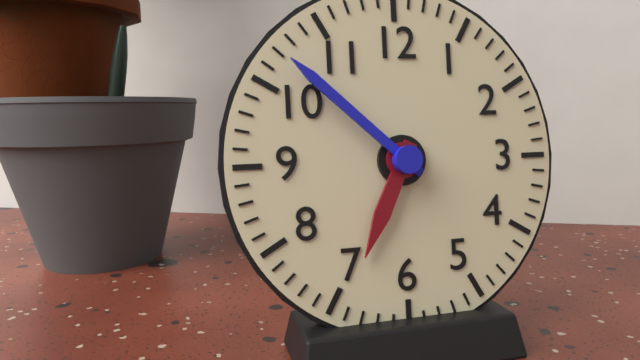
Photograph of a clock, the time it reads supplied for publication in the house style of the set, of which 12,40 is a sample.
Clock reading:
6,52
